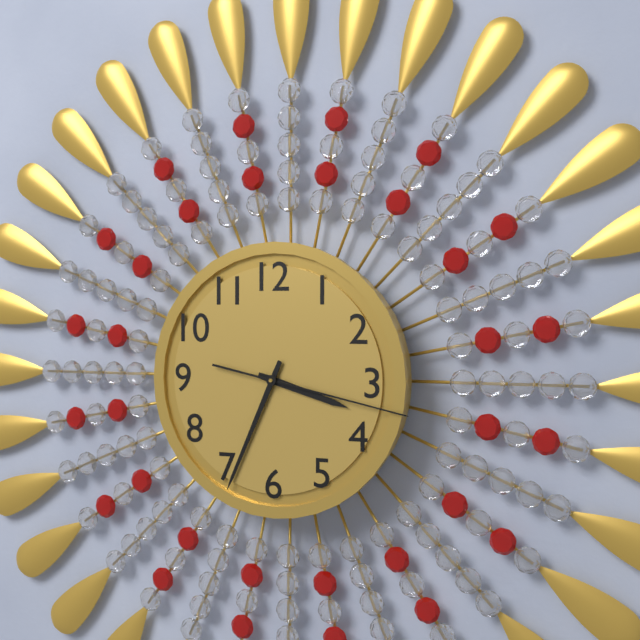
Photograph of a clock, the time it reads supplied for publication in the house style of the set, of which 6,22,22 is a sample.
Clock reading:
3,34,17
